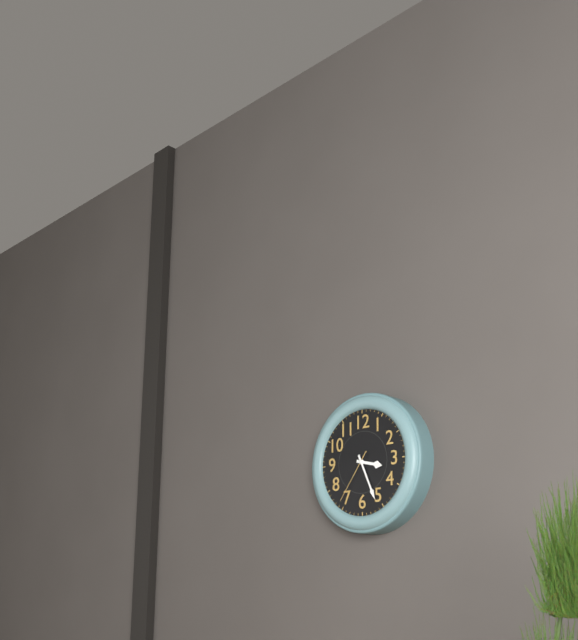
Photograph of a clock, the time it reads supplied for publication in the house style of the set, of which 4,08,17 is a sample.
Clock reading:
3,26,36
